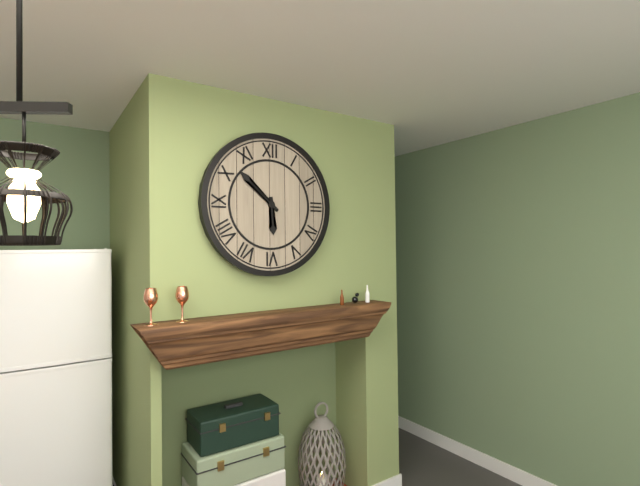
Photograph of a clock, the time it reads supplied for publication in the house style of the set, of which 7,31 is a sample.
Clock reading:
5,52
